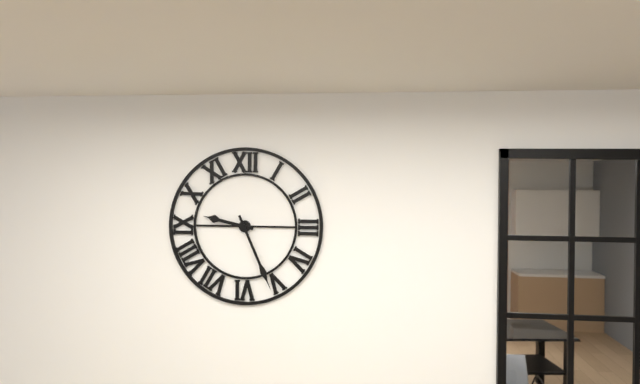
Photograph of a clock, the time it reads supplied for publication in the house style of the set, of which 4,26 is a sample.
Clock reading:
9,26
